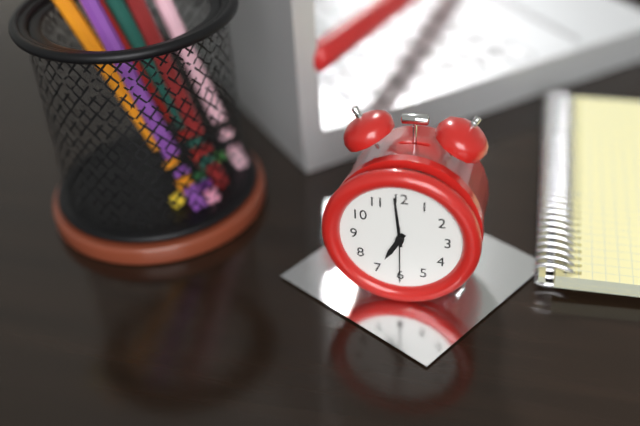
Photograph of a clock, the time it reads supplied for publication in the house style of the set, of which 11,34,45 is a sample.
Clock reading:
6,59,30
